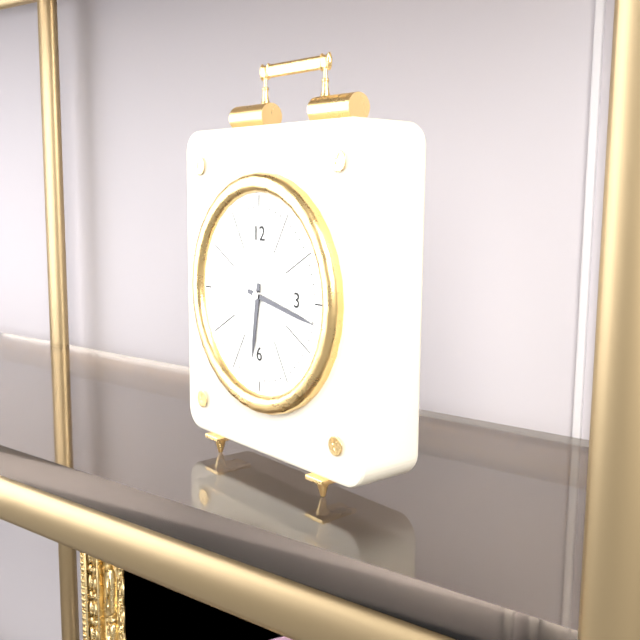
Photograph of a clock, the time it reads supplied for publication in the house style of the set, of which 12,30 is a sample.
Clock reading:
6,17
